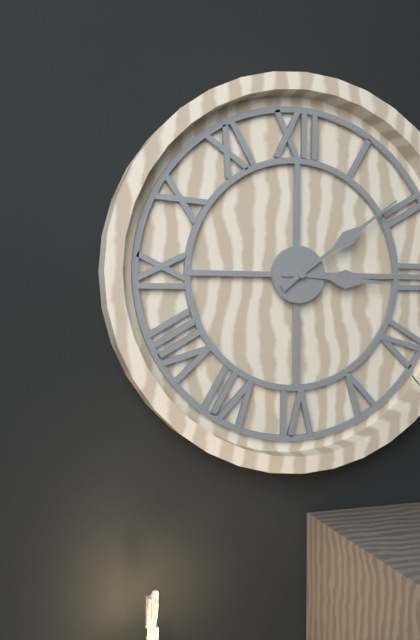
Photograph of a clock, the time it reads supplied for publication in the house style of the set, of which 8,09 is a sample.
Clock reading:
3,09
